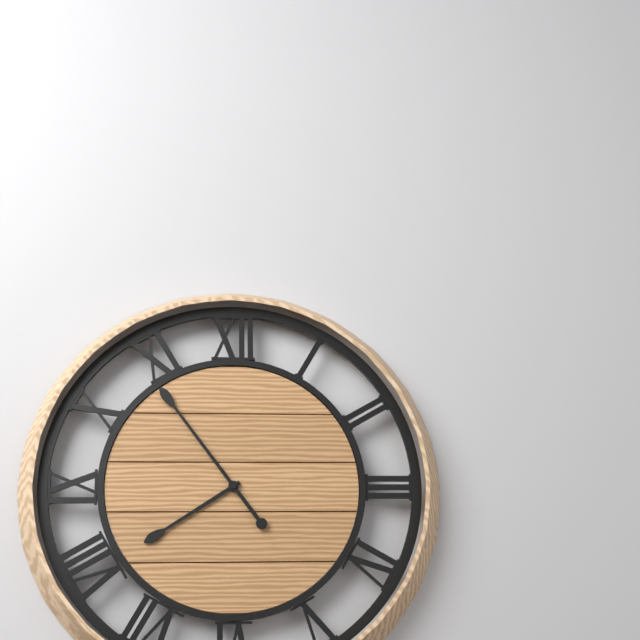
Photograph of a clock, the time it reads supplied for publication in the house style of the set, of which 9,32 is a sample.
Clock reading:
7,54
